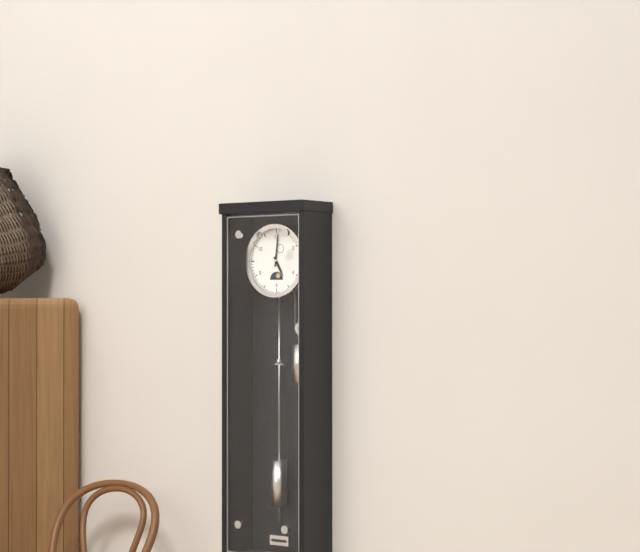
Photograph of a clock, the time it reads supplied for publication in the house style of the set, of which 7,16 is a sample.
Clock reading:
5,01
